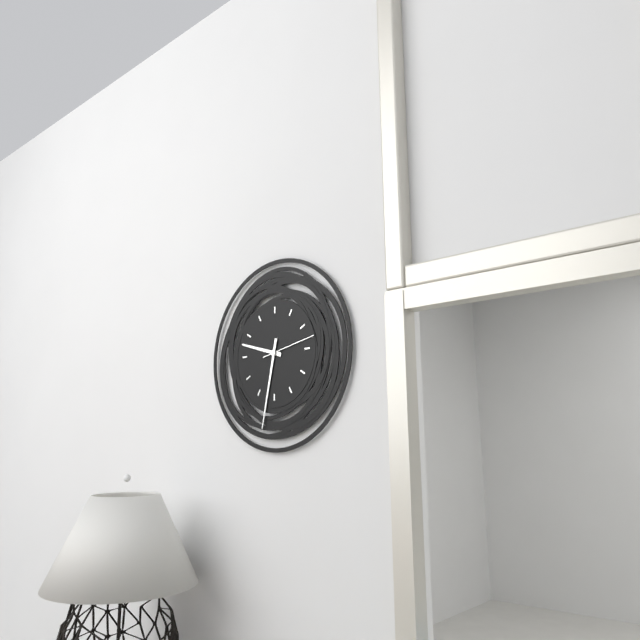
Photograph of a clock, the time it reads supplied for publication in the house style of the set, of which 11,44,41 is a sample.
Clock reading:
9,32,13
